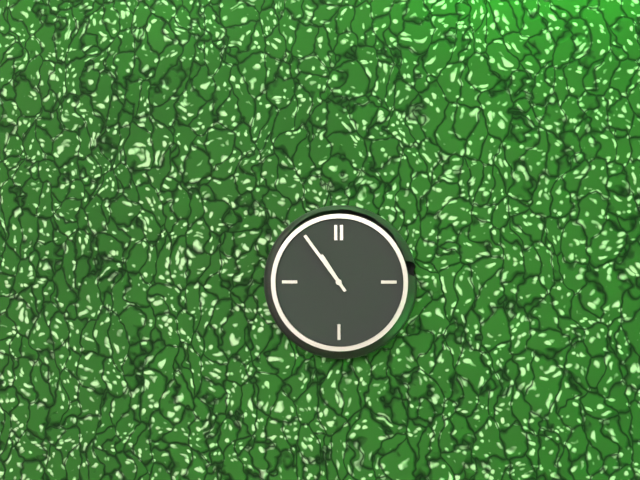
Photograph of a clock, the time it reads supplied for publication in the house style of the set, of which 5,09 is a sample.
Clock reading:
10,54
